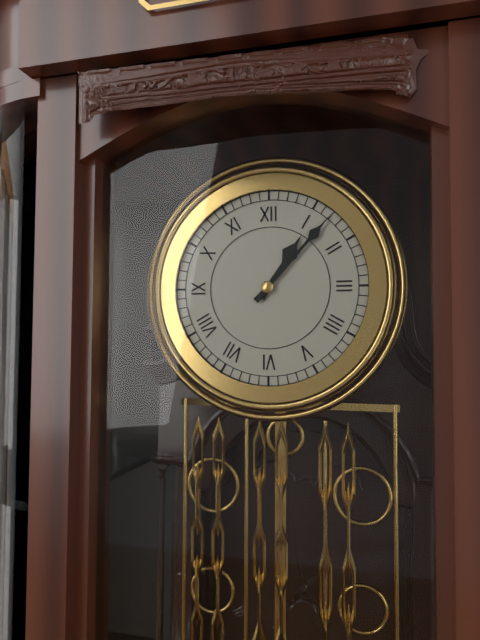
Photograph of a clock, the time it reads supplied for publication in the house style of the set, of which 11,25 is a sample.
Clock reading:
1,07
